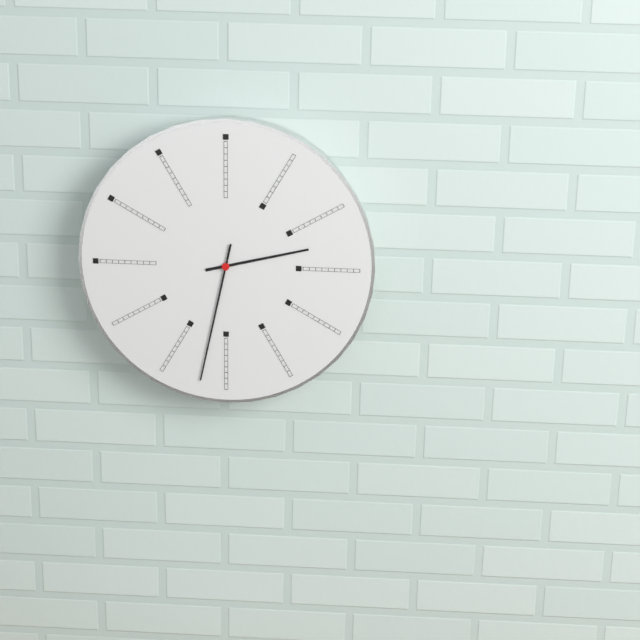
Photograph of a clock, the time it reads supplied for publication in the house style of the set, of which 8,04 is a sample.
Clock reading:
2,32
